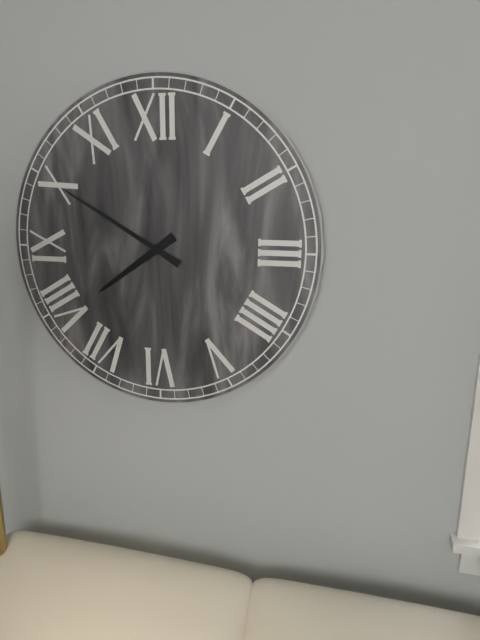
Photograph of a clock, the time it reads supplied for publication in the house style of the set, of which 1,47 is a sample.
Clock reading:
7,50
